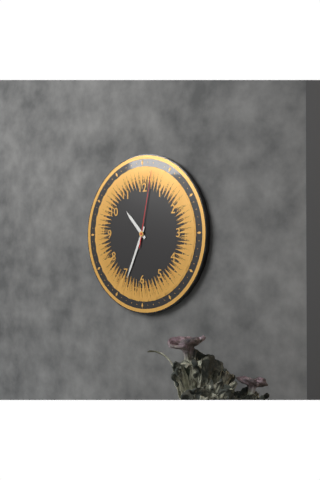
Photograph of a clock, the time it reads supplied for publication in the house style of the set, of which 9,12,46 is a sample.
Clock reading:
10,34,02
